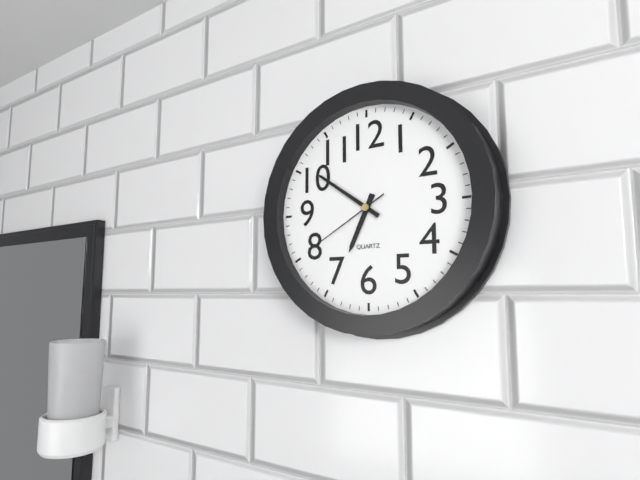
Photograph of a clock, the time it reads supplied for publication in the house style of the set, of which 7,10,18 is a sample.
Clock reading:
6,51,40
